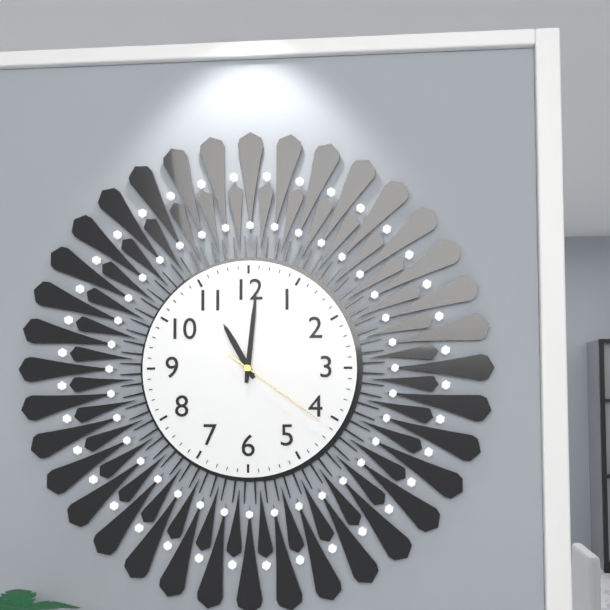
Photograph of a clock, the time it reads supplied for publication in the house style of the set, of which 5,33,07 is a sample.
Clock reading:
11,01,21
